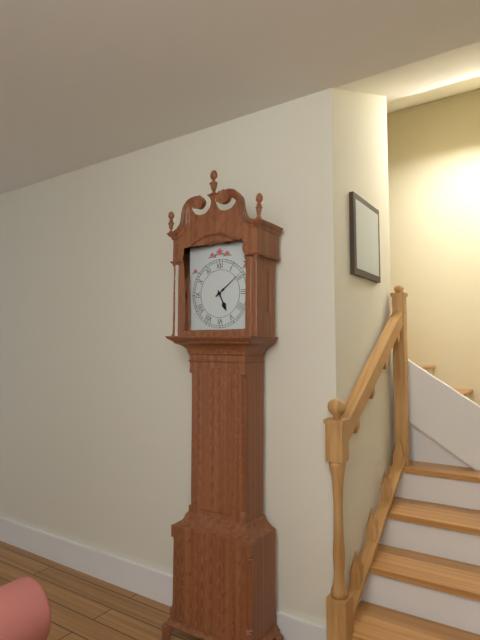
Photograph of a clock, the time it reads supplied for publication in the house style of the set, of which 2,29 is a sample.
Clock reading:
5,09
